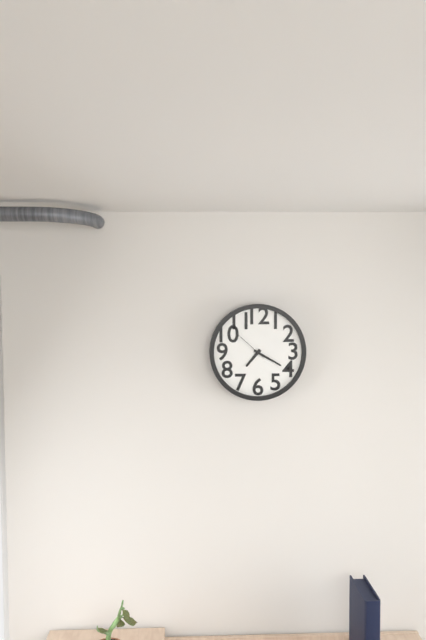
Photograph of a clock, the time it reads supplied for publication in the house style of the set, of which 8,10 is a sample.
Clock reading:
7,20
